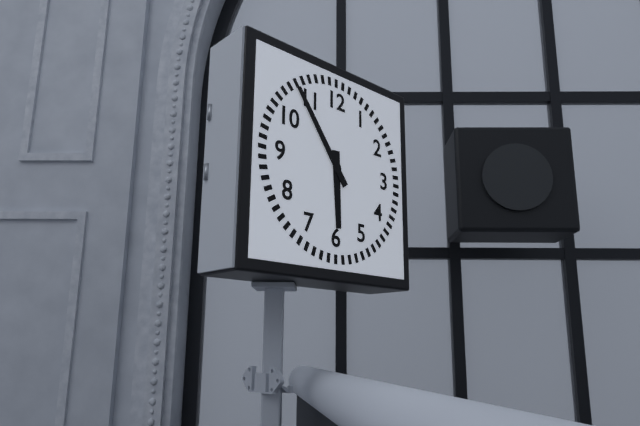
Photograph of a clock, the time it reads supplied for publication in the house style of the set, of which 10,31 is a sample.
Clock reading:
5,54
